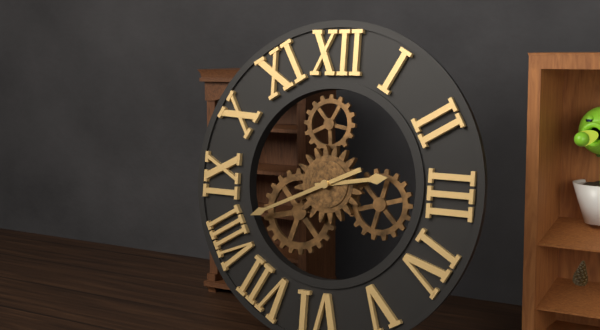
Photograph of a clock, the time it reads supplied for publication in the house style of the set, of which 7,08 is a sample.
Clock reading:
2,41
